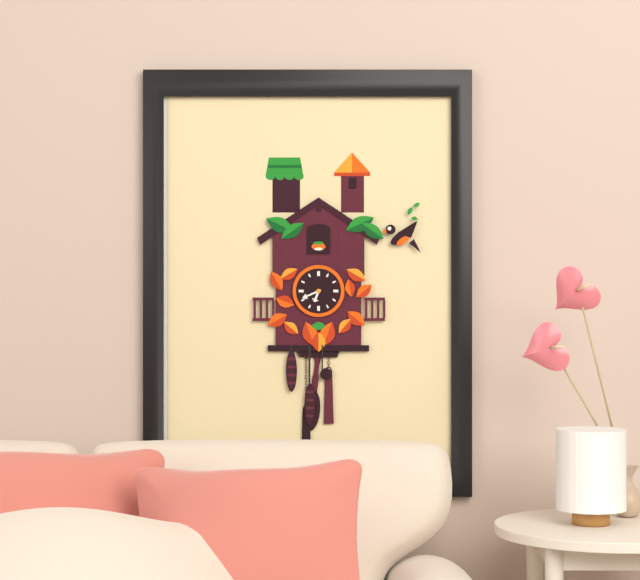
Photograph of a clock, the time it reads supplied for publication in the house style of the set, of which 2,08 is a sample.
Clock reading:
6,41
